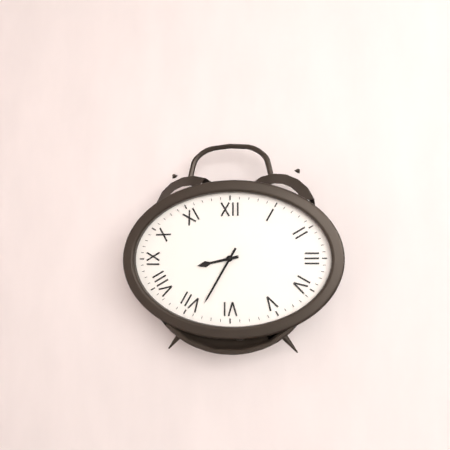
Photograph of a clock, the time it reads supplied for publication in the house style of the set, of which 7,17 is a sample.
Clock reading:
8,35
